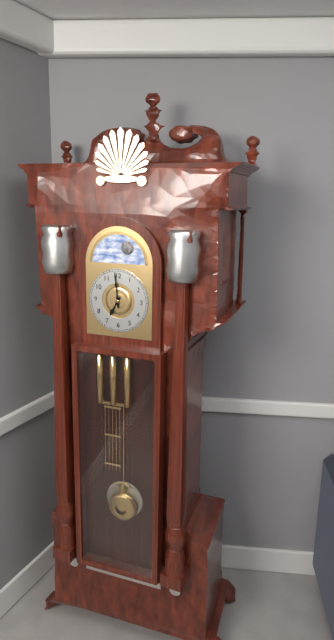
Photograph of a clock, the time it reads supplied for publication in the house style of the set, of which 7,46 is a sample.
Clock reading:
6,59
